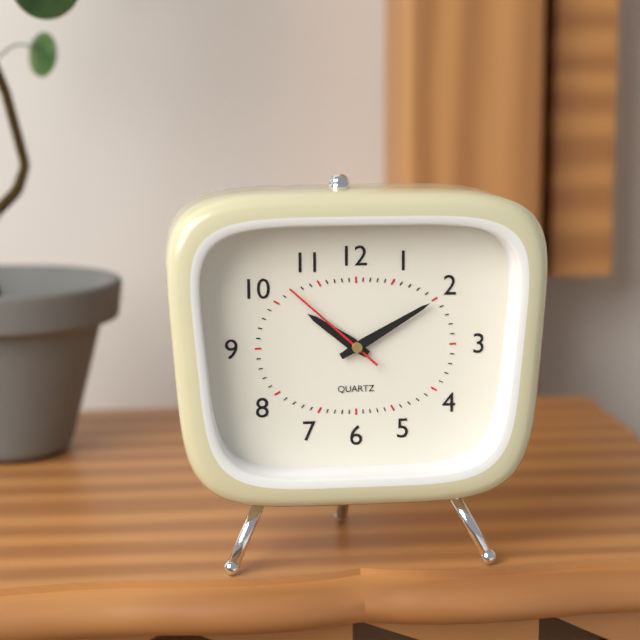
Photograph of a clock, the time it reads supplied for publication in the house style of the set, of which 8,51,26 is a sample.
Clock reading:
10,10,52
